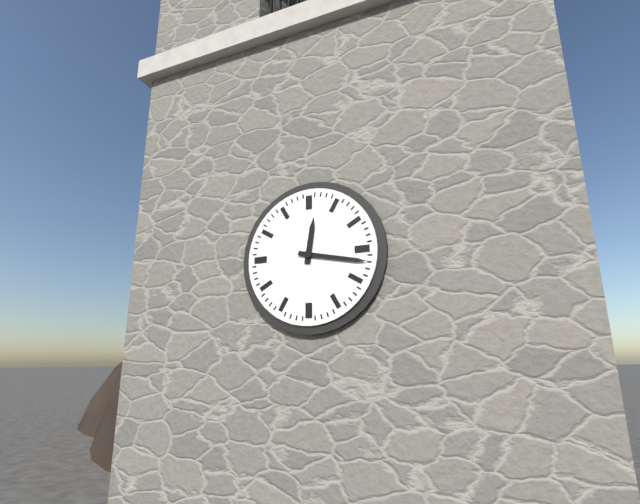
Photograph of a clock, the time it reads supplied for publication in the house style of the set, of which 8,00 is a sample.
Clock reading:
12,17
